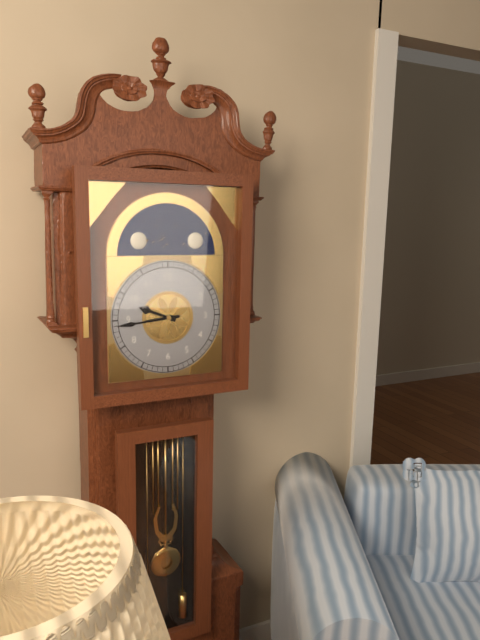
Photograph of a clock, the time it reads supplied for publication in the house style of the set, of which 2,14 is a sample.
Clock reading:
9,44
